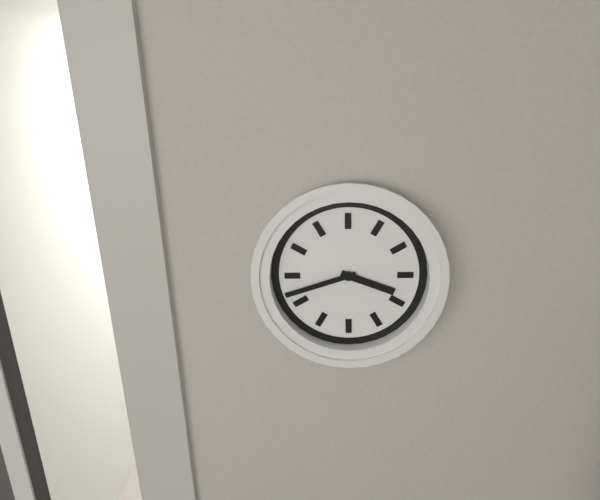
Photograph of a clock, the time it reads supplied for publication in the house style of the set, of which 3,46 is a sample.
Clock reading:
3,42
